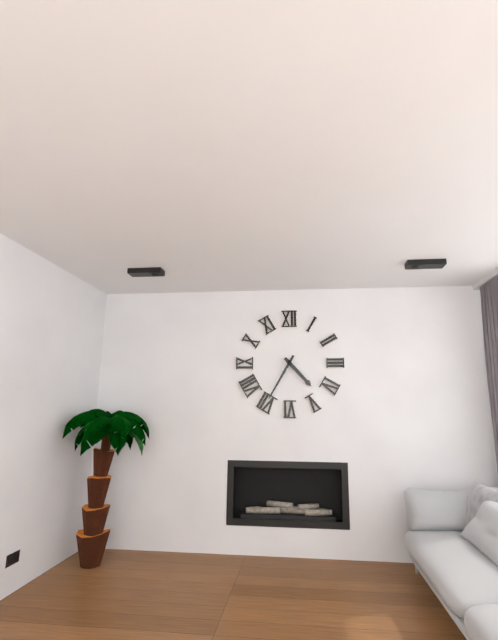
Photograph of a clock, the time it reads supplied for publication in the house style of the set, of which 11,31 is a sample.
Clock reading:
4,35
